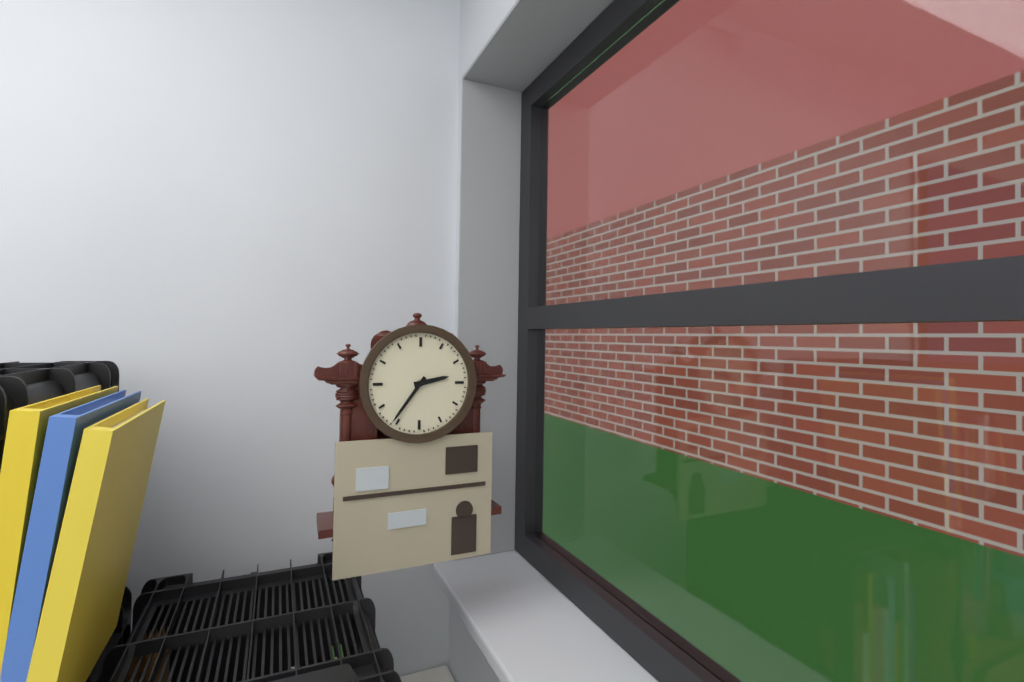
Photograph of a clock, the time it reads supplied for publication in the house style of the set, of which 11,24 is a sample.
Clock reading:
2,36
